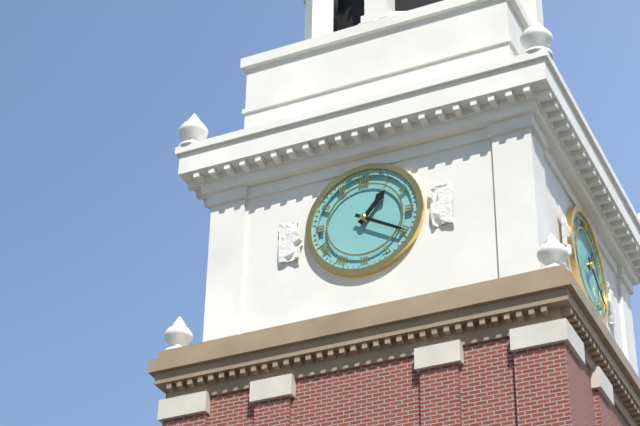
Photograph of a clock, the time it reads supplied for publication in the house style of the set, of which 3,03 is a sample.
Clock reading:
1,20
